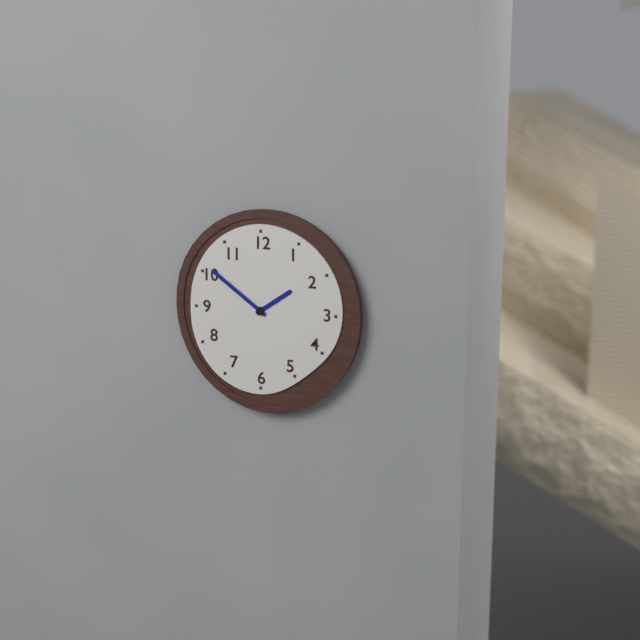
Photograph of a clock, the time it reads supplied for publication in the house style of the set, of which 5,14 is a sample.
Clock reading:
1,51
